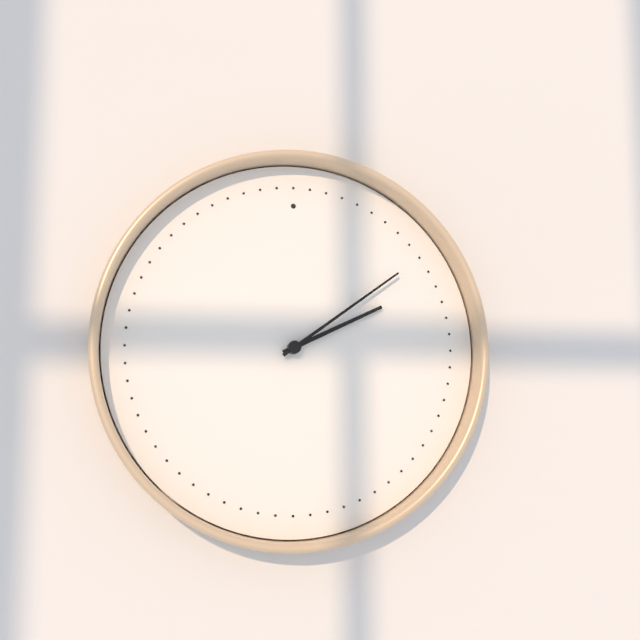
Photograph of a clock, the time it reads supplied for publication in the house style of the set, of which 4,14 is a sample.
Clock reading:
2,09
